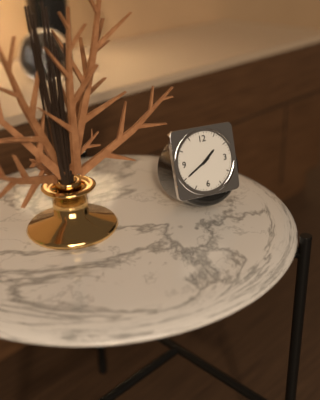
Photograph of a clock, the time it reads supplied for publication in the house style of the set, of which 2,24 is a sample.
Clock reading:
1,40
